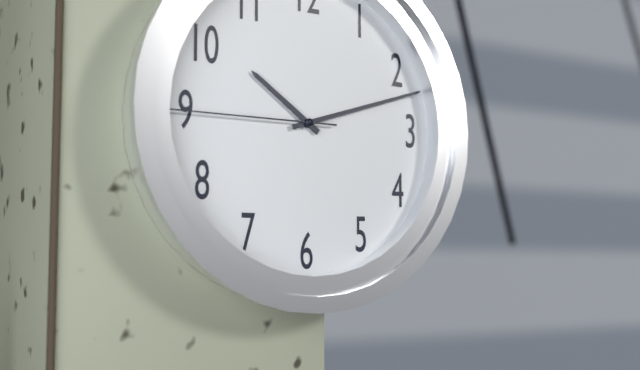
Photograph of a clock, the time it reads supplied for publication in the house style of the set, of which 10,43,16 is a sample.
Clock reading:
10,12,45
